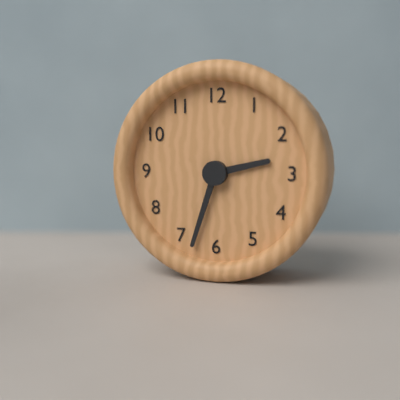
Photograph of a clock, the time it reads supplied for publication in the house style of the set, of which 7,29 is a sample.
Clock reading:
2,33
